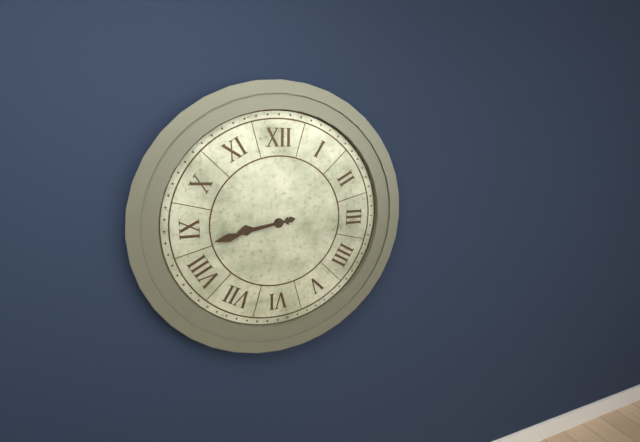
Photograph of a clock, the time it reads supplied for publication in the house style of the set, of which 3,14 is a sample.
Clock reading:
8,43
